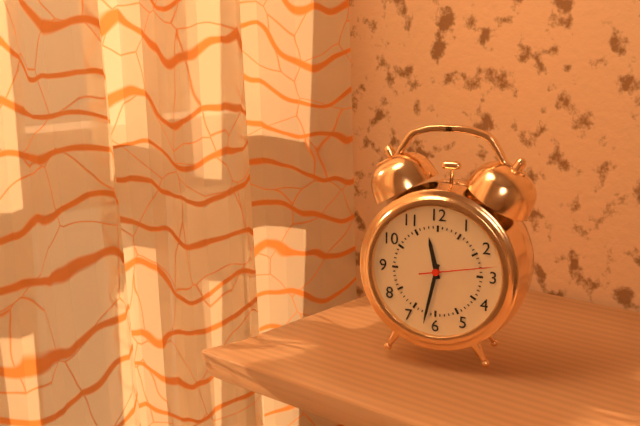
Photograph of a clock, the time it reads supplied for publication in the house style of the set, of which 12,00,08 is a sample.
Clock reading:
11,32,13
